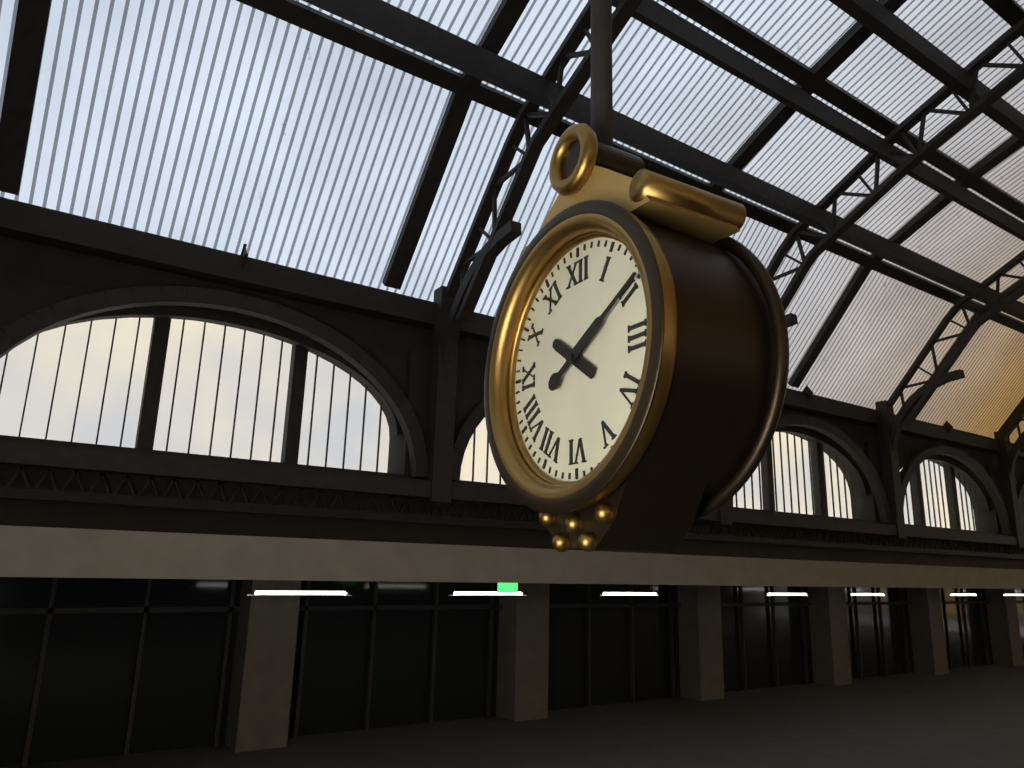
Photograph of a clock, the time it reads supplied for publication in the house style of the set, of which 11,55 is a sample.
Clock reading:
10,10
